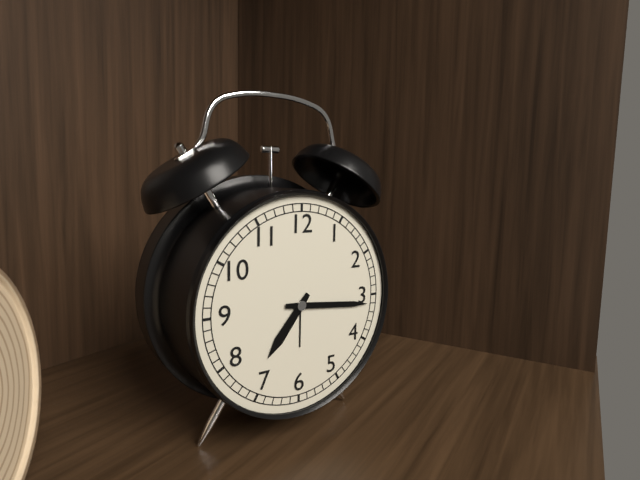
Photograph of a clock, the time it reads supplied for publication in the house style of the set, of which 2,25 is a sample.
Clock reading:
7,16
